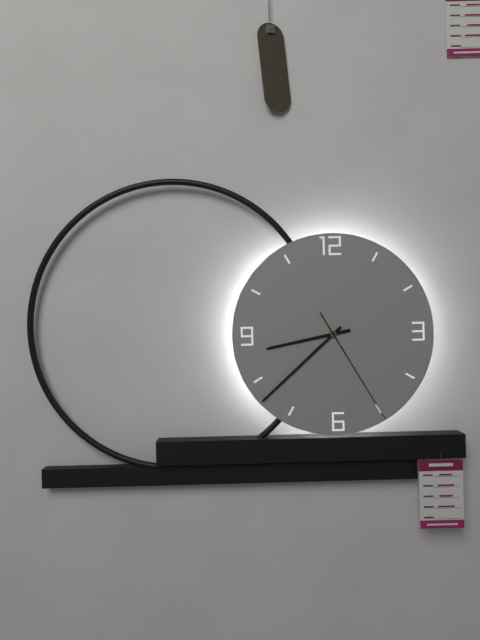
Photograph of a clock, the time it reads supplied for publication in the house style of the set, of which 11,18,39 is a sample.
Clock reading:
8,38,25
